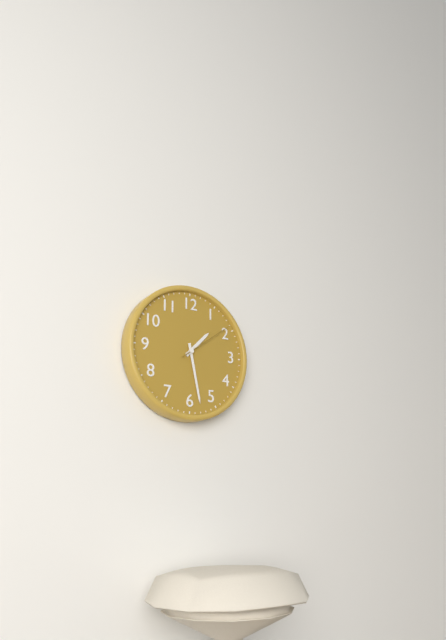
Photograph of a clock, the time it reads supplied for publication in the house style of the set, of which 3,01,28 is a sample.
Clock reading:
1,28,09
